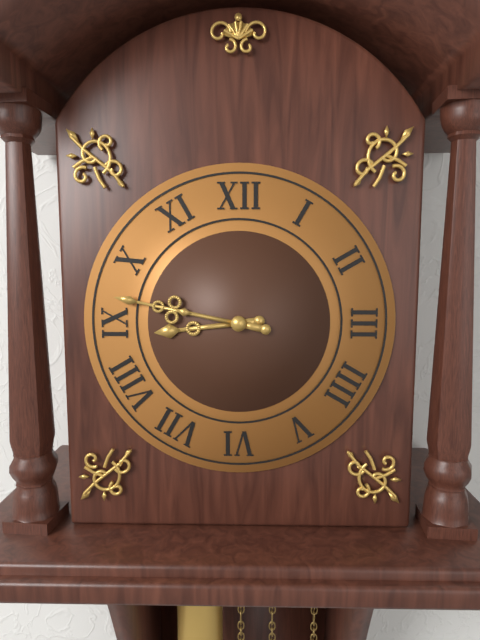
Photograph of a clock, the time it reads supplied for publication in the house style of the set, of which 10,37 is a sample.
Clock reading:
8,47
